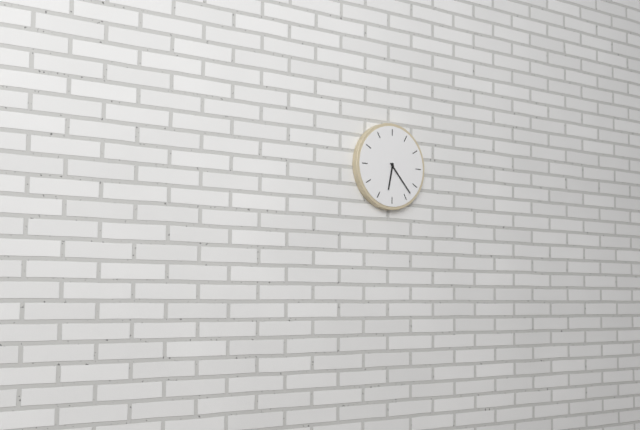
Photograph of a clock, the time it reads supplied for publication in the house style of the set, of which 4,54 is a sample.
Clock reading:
6,23
